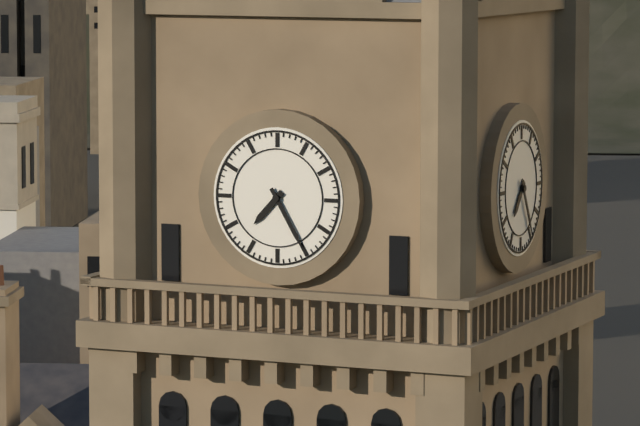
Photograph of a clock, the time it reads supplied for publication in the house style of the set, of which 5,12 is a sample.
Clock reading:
7,25
